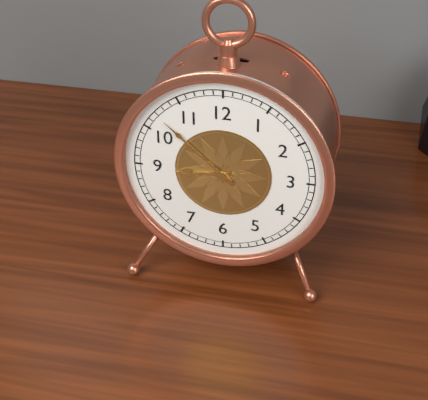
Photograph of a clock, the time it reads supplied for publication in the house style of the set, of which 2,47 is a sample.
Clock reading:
8,52
